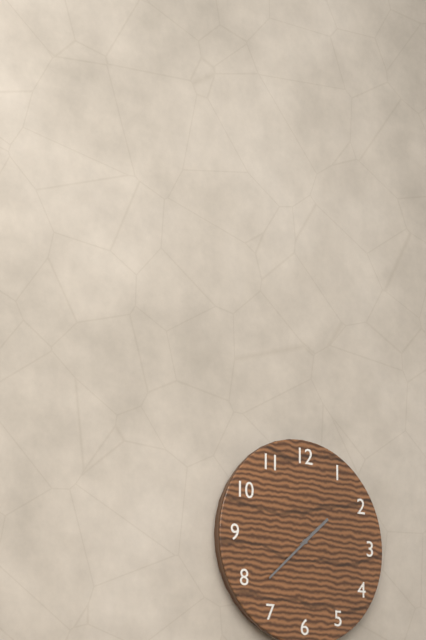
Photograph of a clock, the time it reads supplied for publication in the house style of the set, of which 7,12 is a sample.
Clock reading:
1,38
